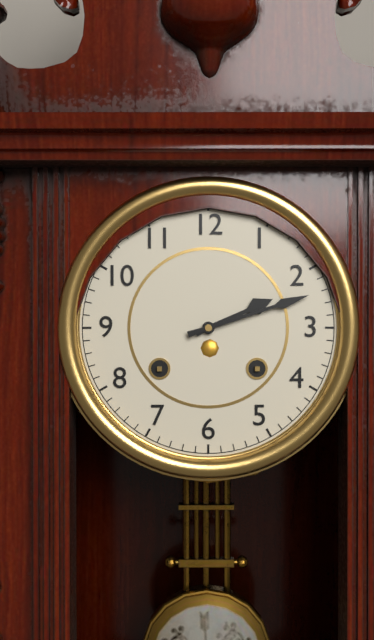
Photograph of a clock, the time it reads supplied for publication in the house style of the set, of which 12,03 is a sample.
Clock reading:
2,12
